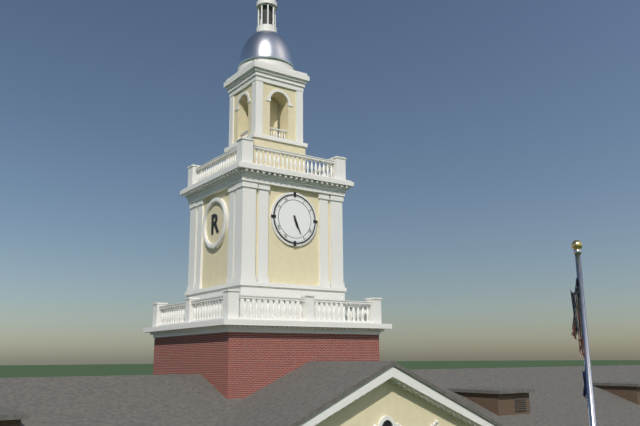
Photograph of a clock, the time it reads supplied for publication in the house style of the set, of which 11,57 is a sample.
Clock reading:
5,26
